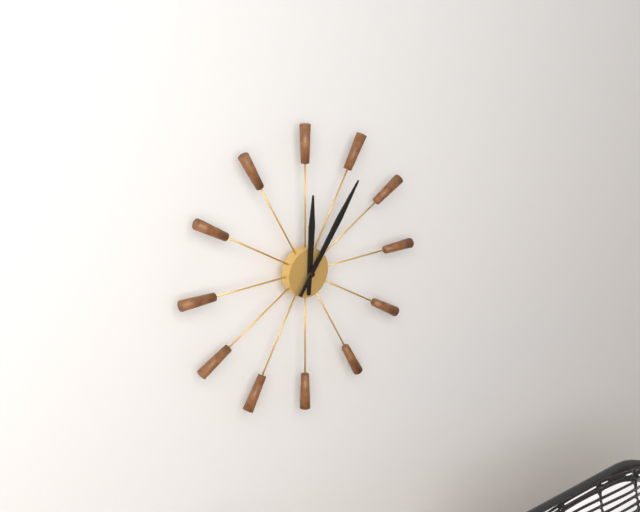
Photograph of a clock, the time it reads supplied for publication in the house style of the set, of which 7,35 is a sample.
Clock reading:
12,06
